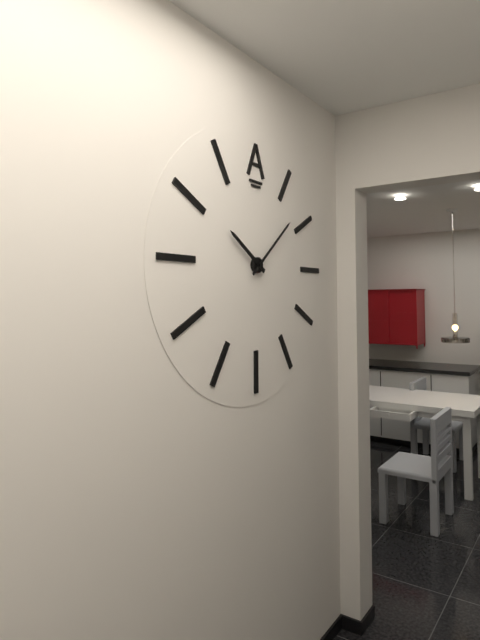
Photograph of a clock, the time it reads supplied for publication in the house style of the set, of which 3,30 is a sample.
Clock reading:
10,08
